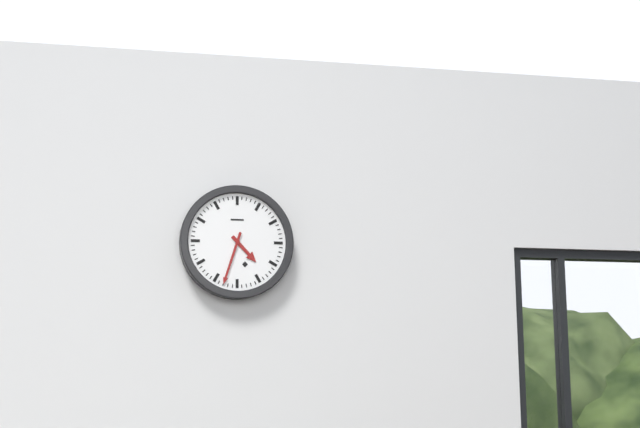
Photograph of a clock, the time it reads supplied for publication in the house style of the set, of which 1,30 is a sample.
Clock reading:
4,33
